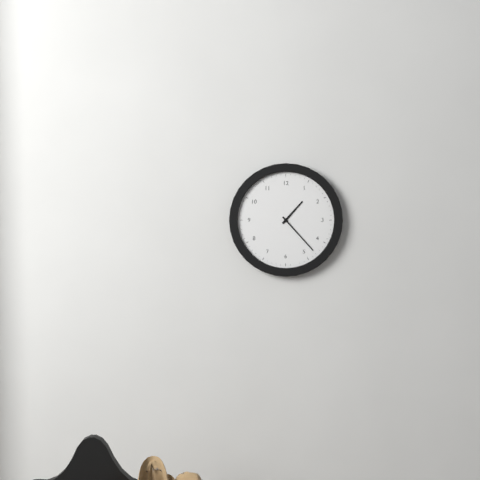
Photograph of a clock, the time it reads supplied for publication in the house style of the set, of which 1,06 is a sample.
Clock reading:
1,23
